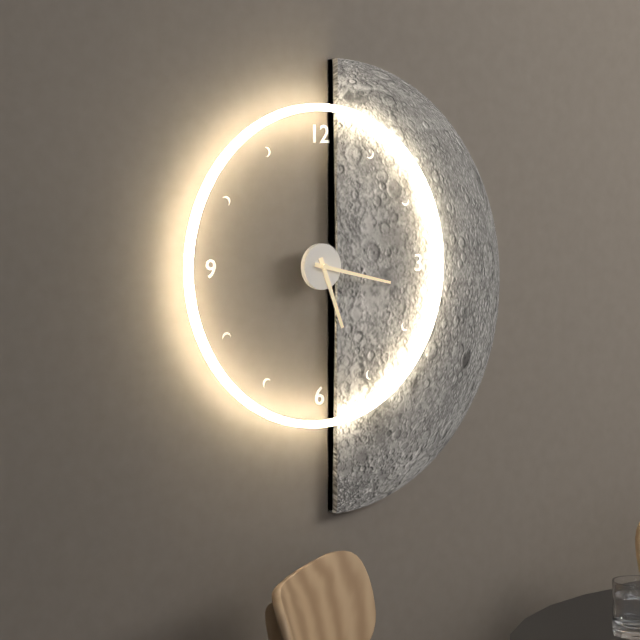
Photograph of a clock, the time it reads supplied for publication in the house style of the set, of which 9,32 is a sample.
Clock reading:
5,17
